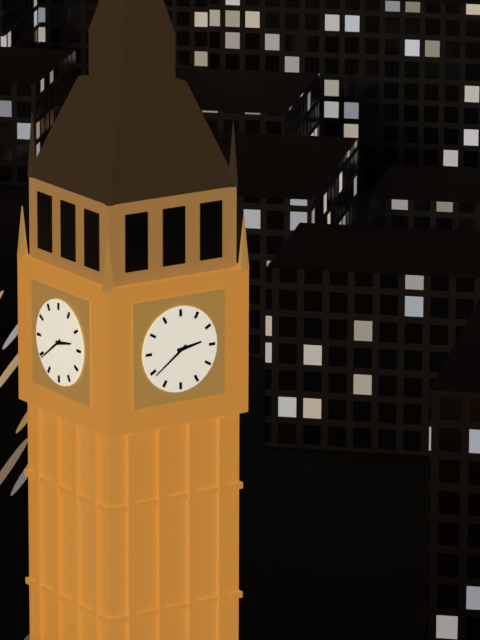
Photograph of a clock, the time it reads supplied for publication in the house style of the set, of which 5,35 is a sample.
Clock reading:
2,39
